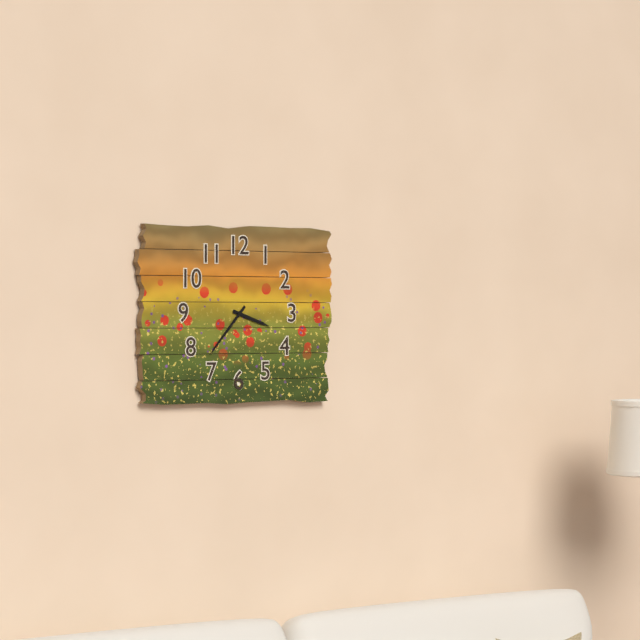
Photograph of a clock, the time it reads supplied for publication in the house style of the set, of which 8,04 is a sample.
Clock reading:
3,37
